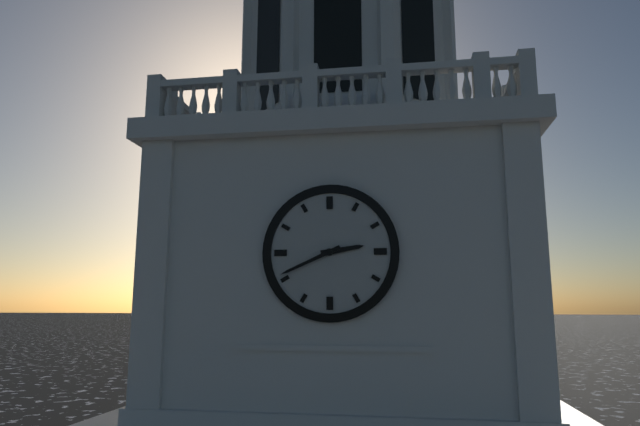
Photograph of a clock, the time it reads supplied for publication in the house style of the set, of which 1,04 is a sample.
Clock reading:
2,41
